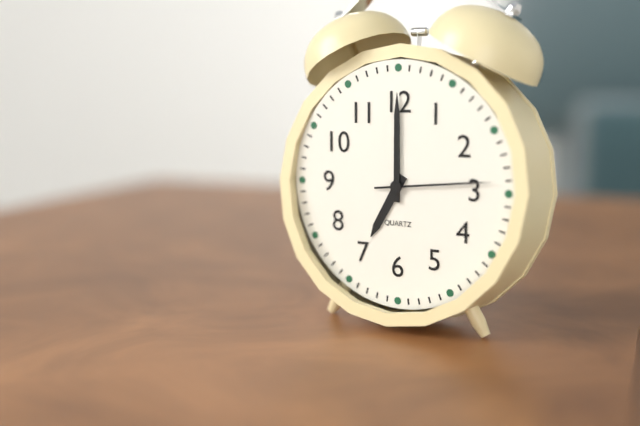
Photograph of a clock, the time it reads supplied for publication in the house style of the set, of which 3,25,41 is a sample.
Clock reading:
7,00,14
